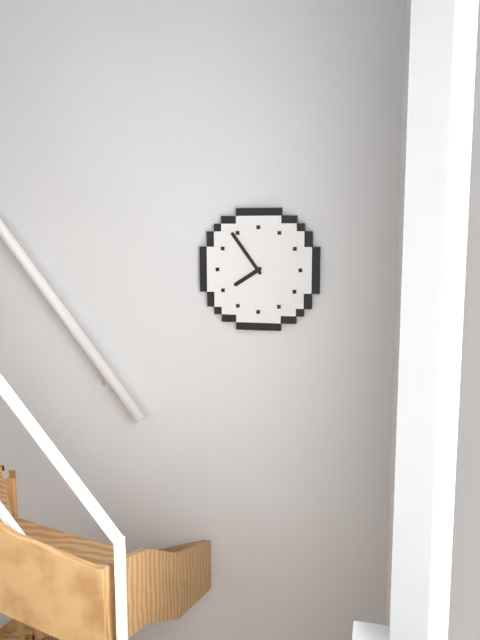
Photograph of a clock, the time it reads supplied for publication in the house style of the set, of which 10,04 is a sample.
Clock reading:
7,54
